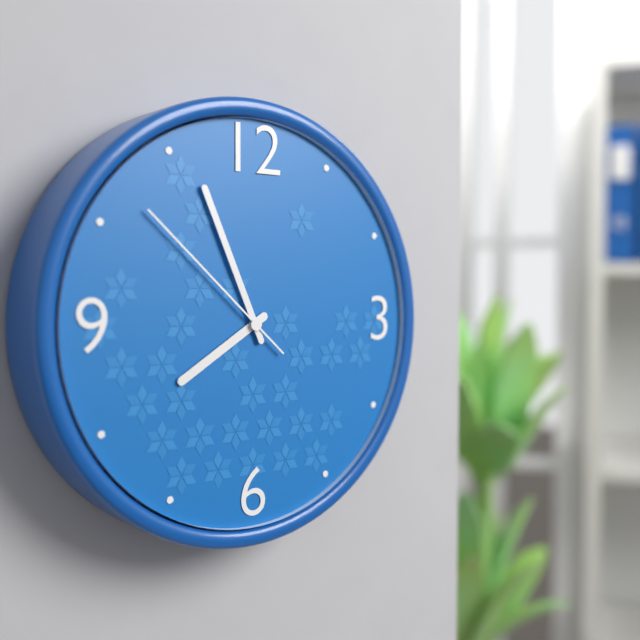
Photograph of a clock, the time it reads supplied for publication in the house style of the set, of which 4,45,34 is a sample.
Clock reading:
7,56,52
